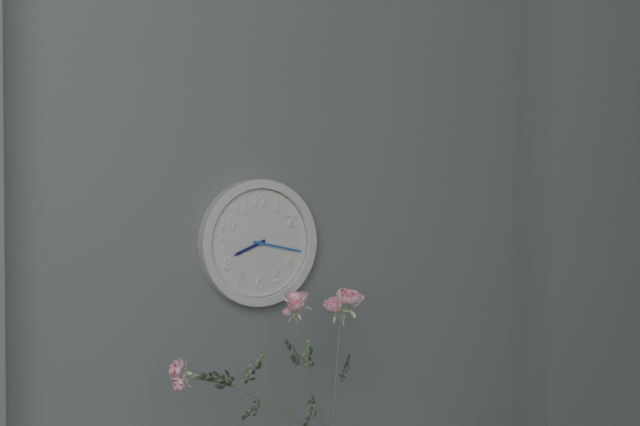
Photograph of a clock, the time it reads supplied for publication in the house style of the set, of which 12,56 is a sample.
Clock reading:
8,17
